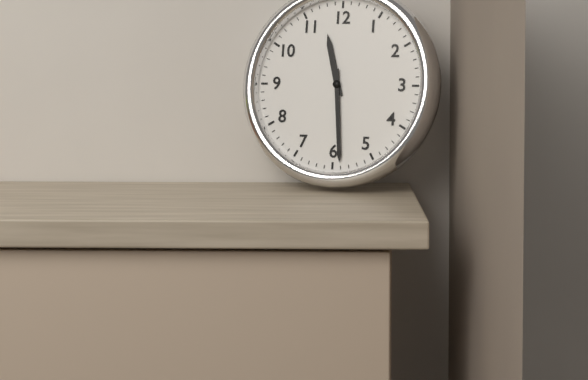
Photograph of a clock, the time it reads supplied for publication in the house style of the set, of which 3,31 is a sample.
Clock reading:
11,29
